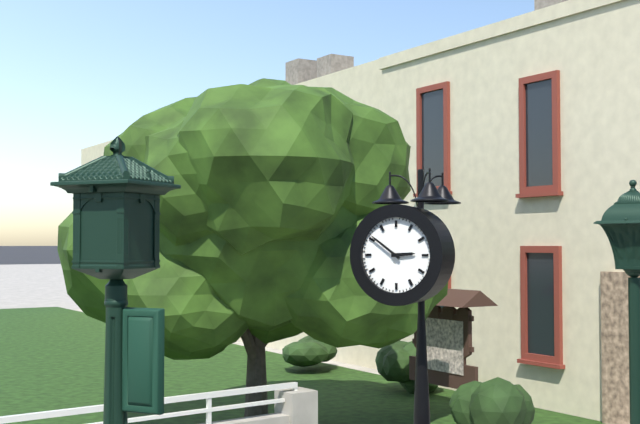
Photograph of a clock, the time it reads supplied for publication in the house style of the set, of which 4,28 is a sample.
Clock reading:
2,51
